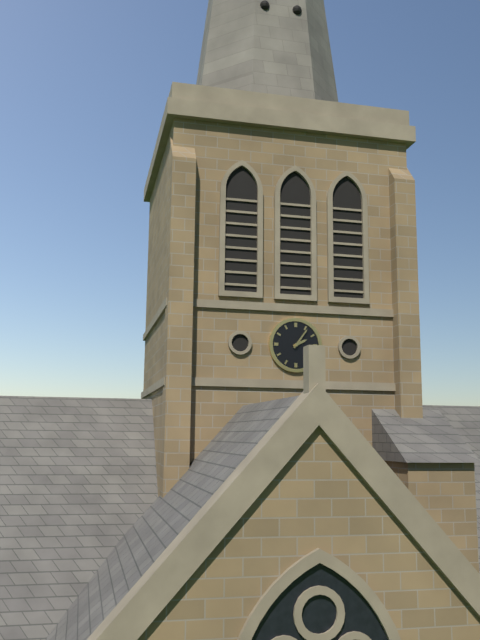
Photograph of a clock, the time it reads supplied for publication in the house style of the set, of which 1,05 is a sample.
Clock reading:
2,06
